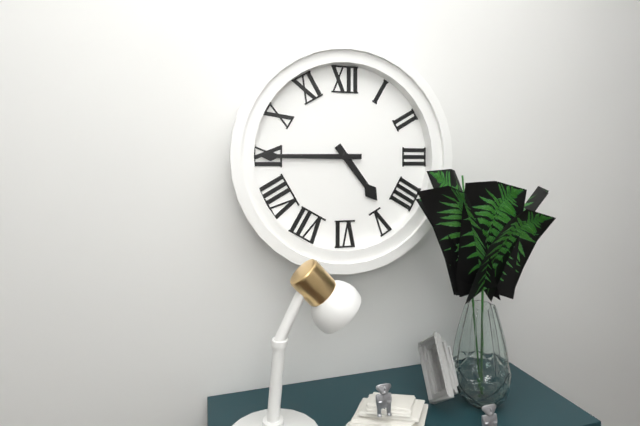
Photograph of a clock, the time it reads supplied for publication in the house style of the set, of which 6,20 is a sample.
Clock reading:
4,45
